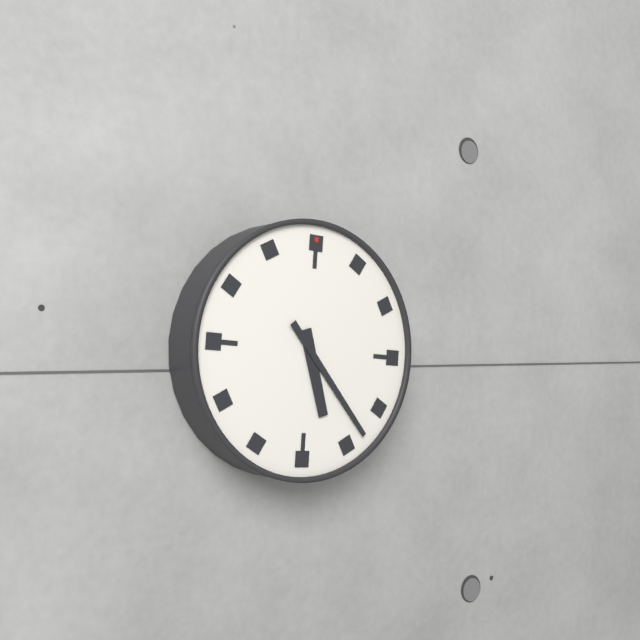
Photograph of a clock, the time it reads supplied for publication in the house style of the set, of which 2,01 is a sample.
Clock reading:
5,23
